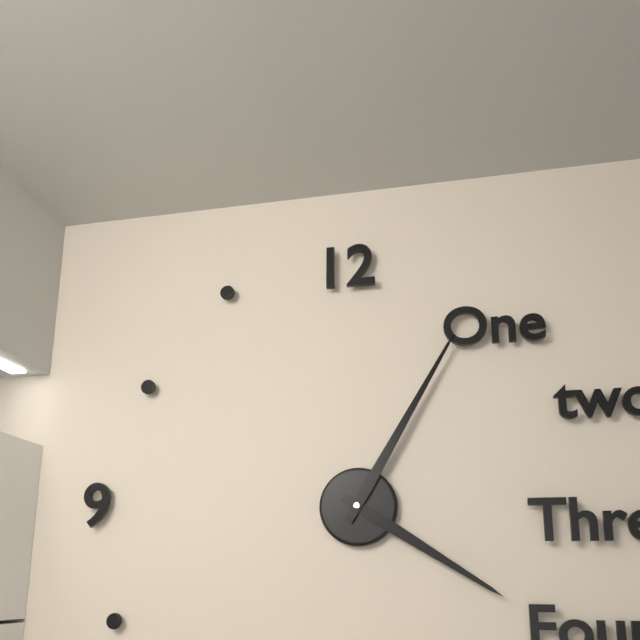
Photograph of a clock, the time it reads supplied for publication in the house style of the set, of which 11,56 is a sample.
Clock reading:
4,05
